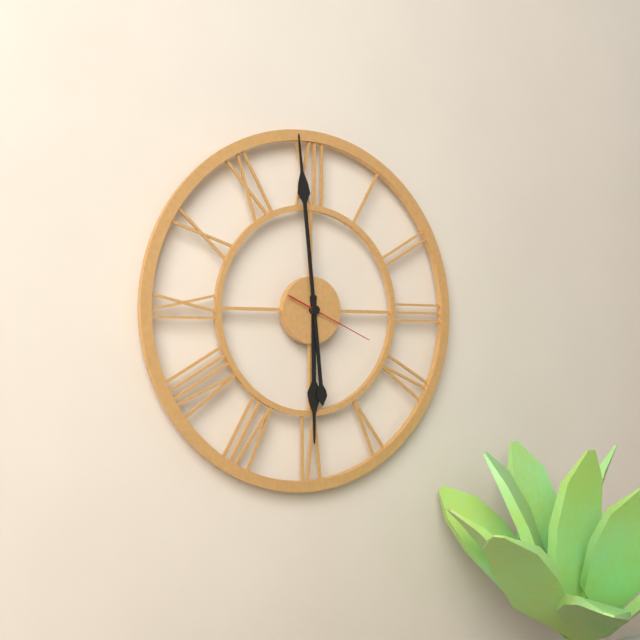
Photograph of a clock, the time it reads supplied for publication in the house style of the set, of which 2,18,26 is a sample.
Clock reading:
5,59,19
